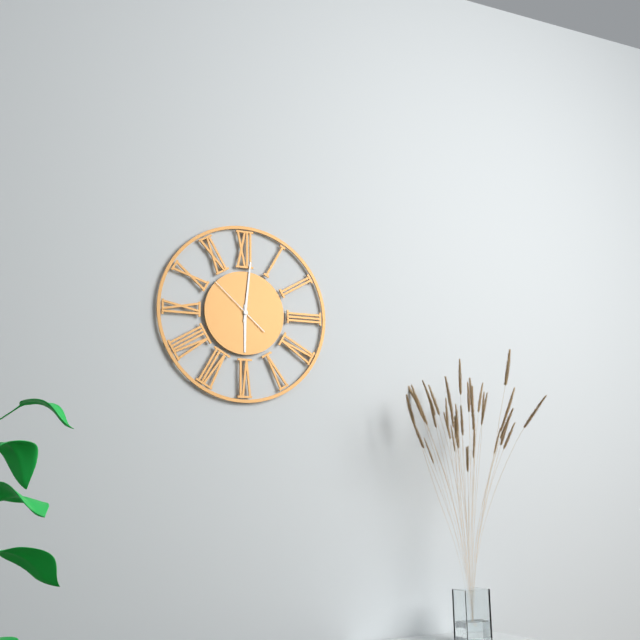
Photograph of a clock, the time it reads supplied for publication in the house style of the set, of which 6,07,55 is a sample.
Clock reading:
6,01,52
